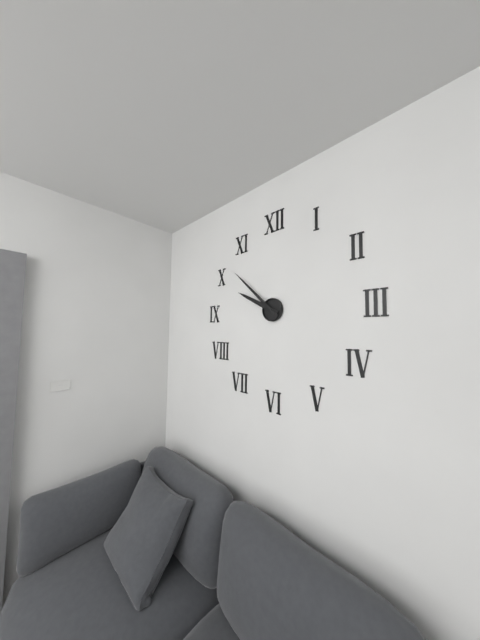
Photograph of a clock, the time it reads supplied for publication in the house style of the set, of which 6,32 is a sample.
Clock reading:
9,52
